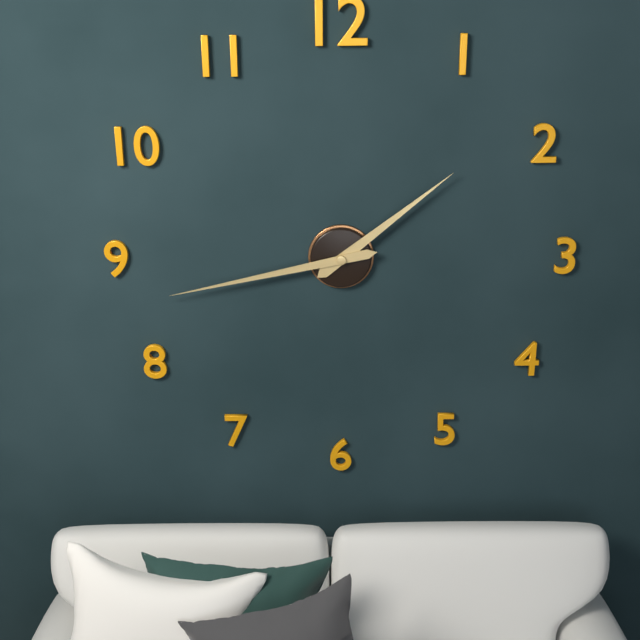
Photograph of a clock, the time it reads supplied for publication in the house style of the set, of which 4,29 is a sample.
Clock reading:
1,43
